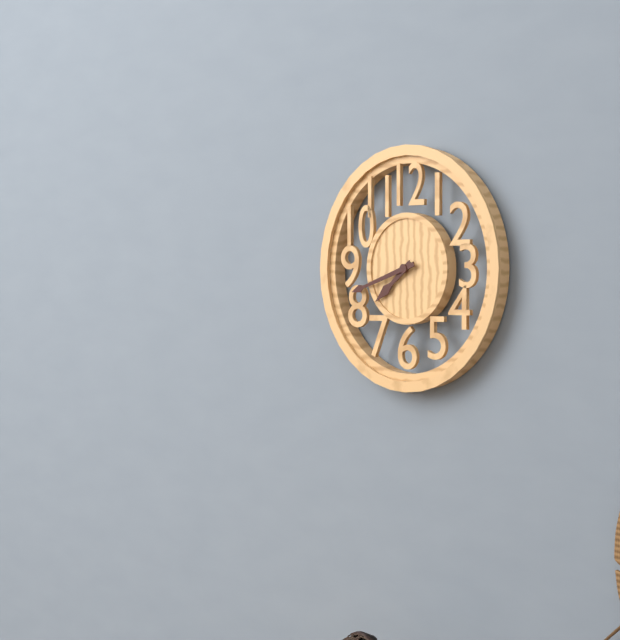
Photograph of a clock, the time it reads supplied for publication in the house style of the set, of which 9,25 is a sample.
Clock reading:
7,42
